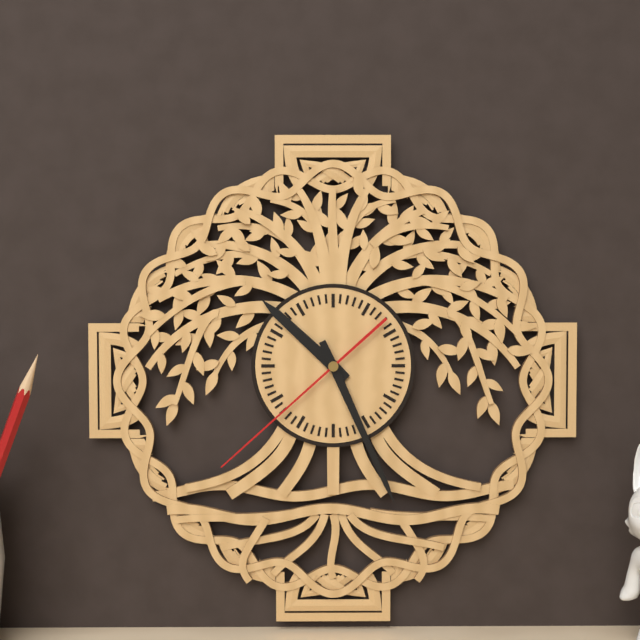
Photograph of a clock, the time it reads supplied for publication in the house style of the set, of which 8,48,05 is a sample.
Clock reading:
10,26,38
